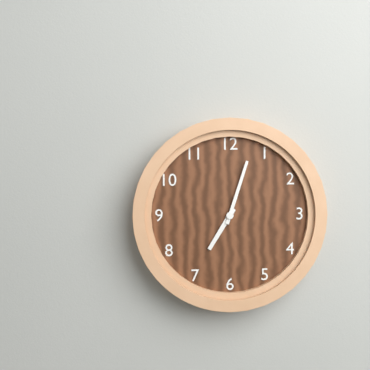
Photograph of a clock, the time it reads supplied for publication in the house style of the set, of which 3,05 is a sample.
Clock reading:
7,03
